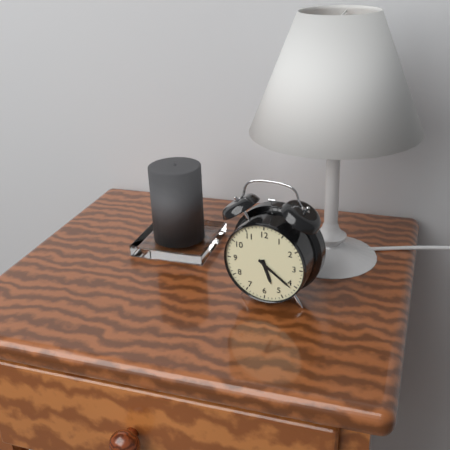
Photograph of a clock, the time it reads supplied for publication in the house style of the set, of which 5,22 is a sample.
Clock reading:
5,21
